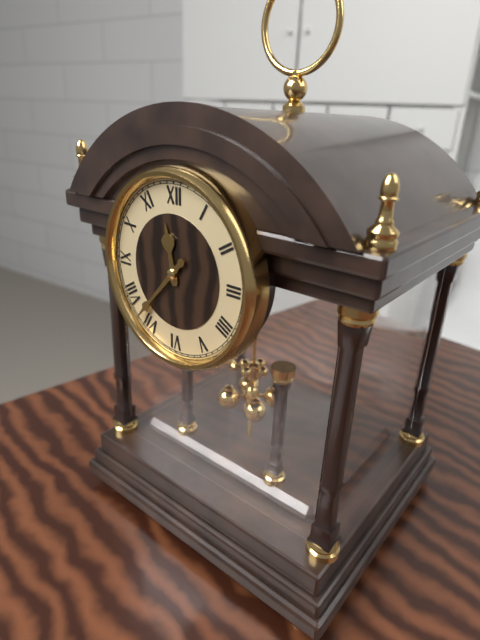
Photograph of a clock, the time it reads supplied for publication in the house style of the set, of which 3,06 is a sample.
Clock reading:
11,37
